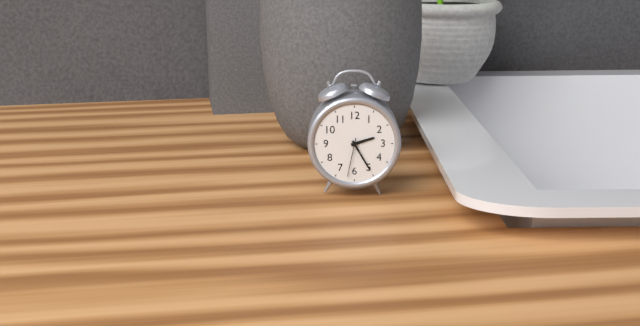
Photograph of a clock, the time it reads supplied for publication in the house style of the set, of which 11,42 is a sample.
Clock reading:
2,25
